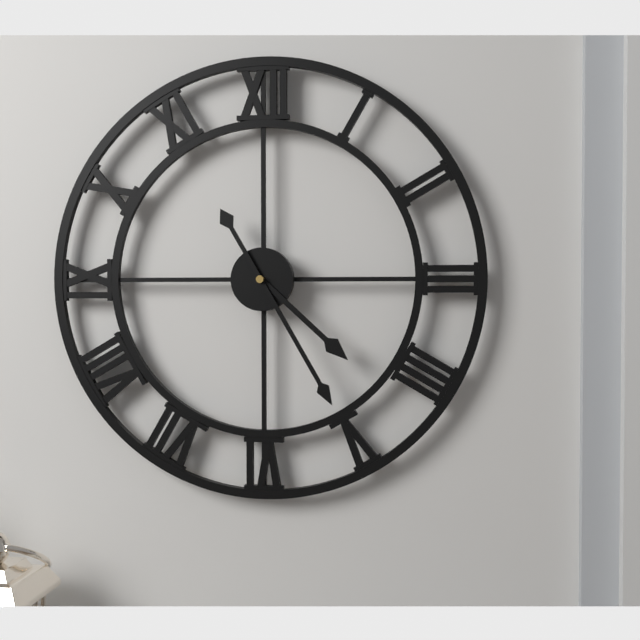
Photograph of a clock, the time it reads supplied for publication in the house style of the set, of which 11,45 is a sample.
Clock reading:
4,25
